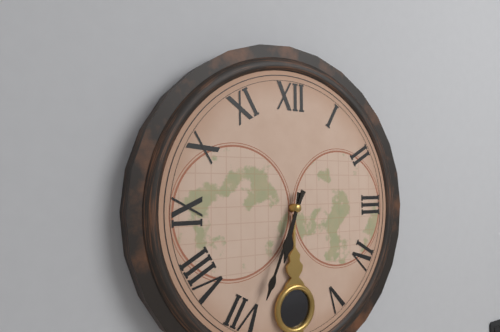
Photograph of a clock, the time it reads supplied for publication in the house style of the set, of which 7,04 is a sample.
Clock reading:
6,34
